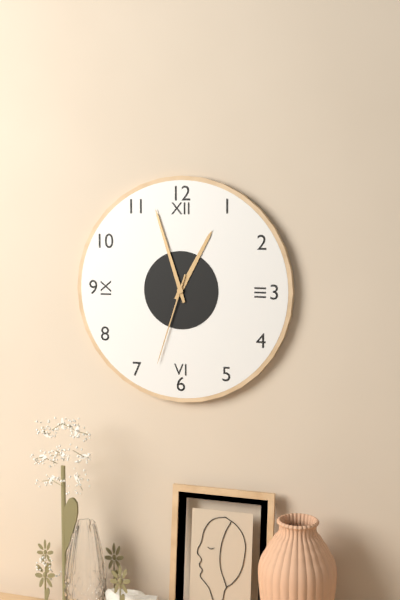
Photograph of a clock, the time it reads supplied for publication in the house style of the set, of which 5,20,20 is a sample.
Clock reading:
12,57,33
